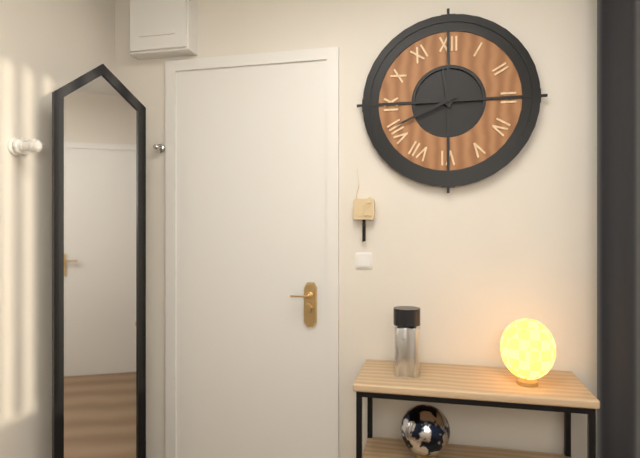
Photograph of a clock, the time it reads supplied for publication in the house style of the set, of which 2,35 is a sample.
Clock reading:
11,41
